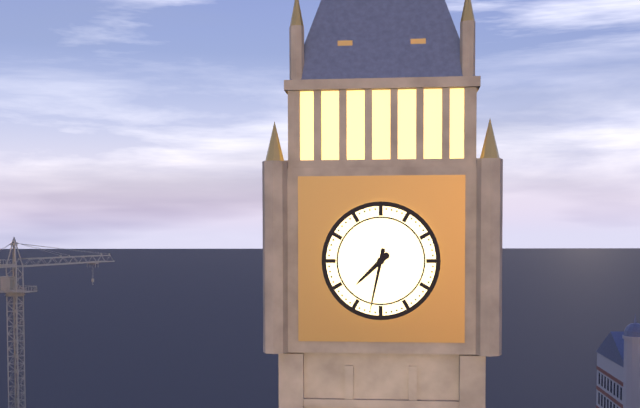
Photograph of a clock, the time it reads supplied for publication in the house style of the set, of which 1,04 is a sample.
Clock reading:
7,32
